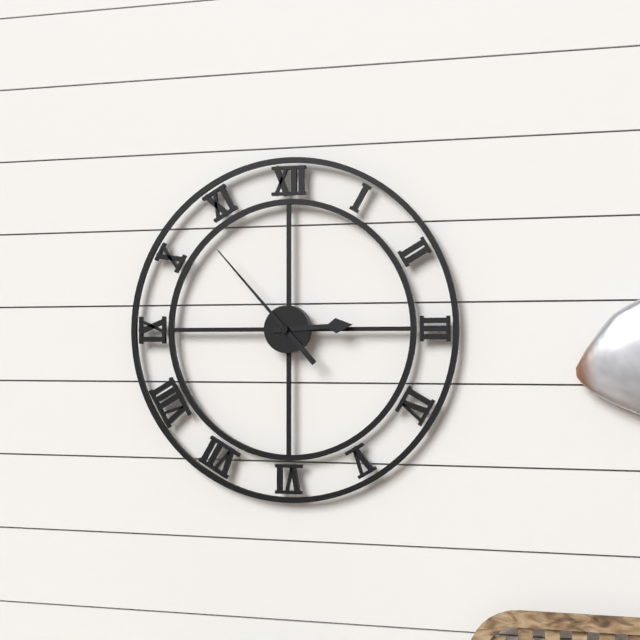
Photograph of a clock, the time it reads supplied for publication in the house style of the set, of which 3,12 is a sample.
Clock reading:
2,53
